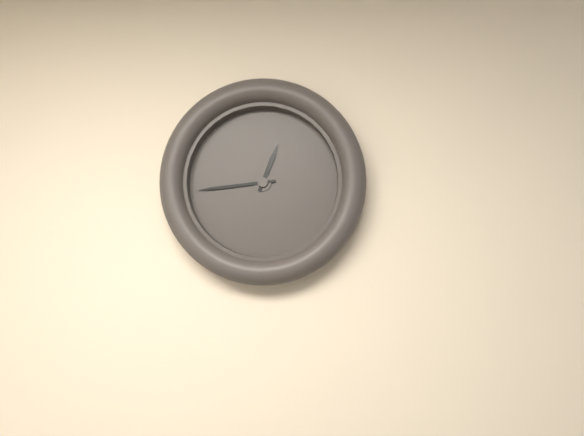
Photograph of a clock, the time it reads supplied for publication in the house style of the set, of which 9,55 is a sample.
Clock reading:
12,44
